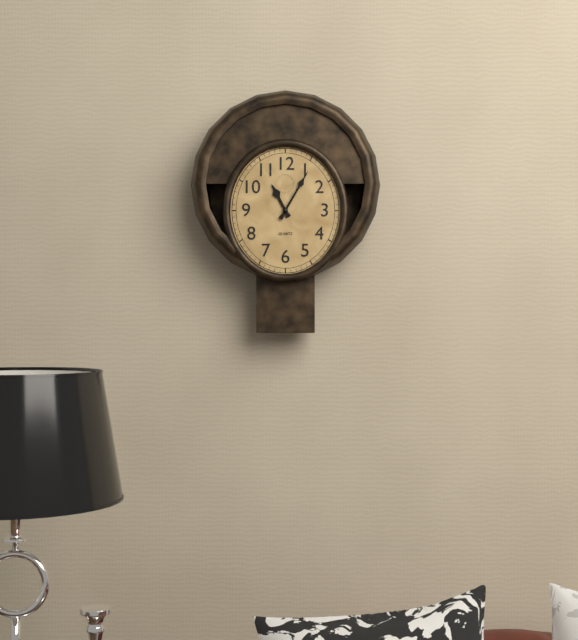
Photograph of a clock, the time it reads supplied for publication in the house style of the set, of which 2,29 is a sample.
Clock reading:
11,05
